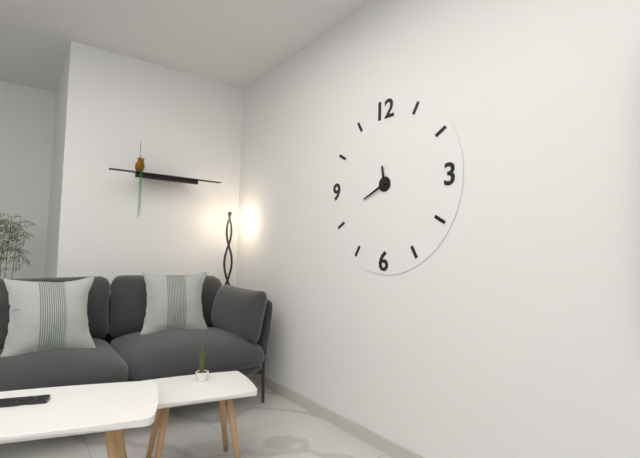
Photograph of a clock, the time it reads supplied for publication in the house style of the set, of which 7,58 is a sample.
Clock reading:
11,41
